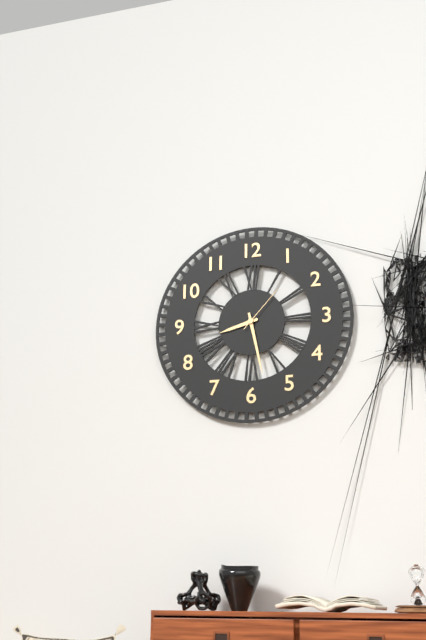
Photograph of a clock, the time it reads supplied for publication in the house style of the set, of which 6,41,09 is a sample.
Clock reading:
8,28,07
